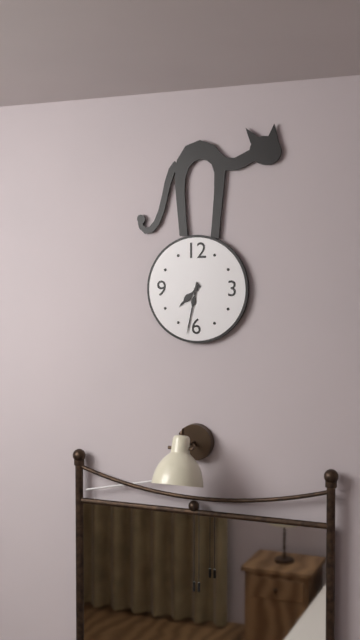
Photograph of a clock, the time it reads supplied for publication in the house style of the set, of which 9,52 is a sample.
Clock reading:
7,32
